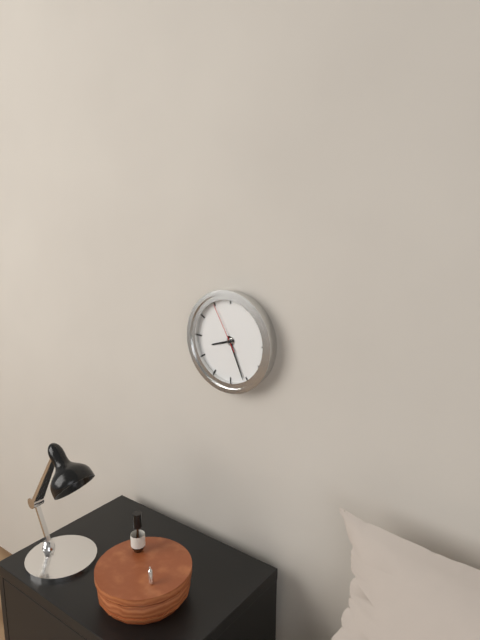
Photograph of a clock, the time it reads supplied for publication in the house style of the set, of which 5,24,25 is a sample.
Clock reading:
8,26,55
